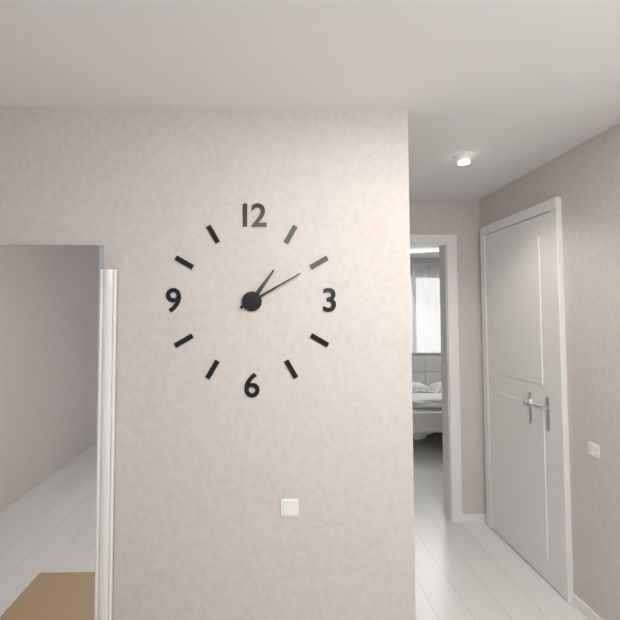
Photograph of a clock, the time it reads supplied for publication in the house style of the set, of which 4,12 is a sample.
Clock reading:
1,10
